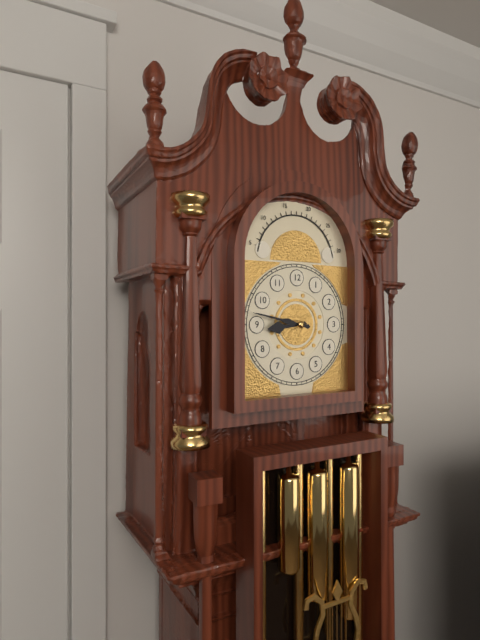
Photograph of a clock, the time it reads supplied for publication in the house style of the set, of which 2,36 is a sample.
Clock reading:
8,47
